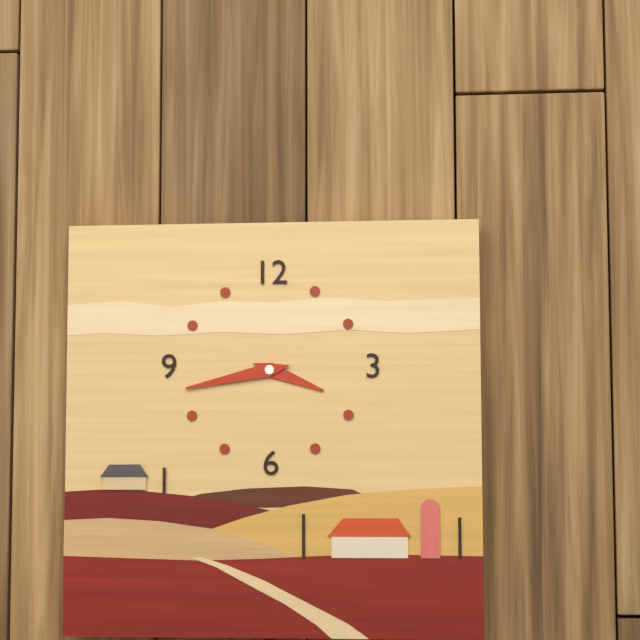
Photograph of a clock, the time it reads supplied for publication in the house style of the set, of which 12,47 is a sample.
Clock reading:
3,43
